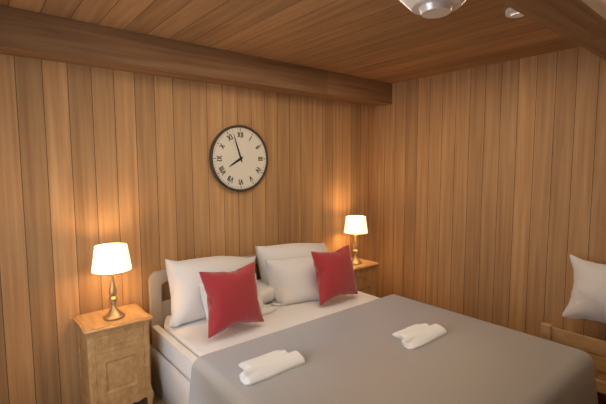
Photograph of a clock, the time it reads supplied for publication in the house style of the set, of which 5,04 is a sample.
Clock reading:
7,57
